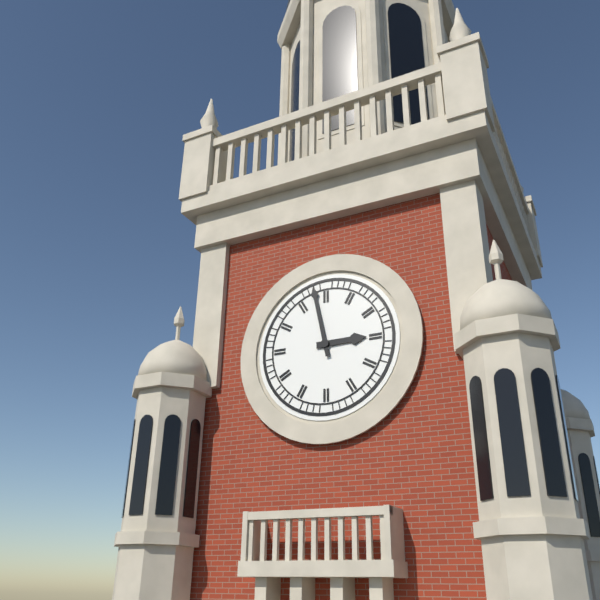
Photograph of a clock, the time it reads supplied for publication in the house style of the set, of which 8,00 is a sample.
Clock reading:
2,58
